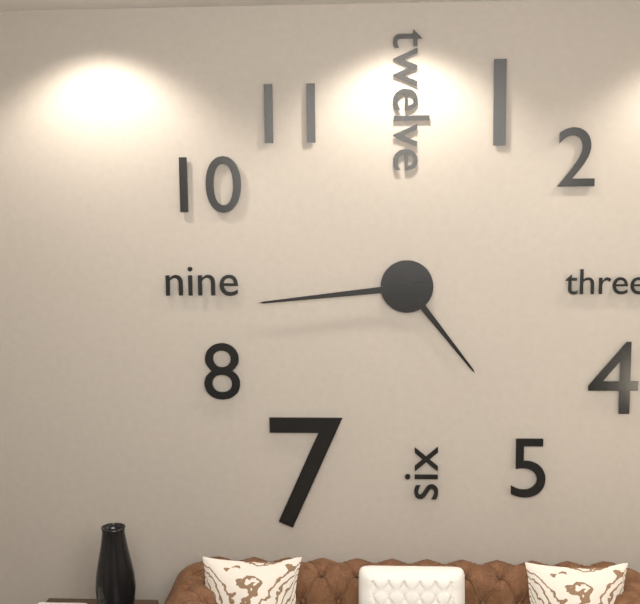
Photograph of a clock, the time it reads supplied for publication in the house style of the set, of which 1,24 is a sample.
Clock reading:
4,44
